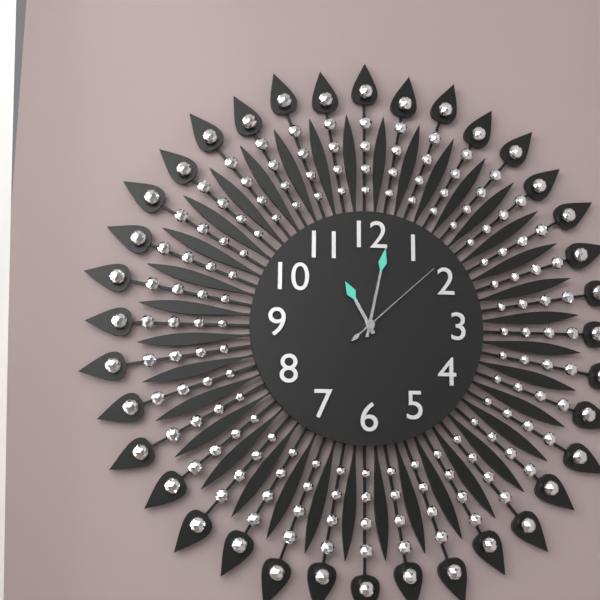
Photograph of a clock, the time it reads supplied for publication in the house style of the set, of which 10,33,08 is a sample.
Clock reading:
11,02,08
